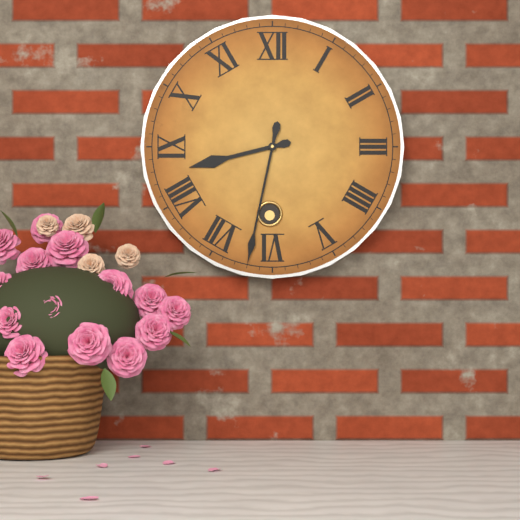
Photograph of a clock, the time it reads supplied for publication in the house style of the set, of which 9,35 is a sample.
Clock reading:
8,32
